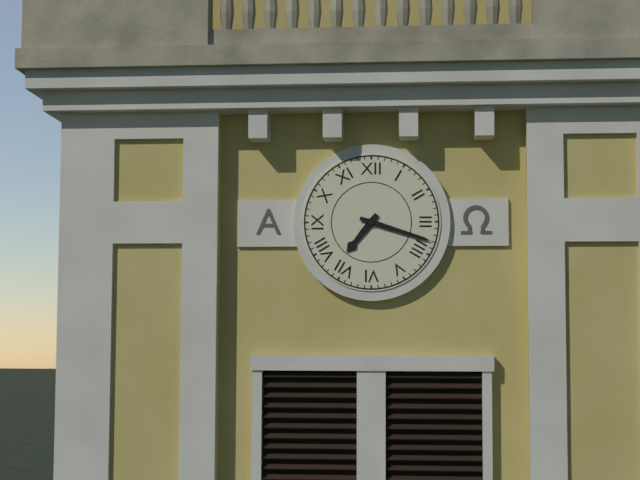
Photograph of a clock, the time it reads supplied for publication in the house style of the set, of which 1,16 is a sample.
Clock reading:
7,18
